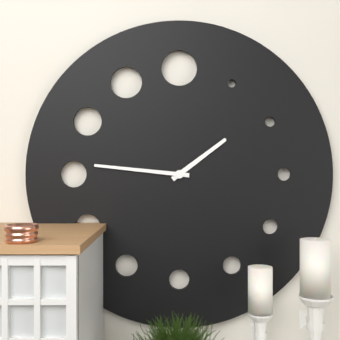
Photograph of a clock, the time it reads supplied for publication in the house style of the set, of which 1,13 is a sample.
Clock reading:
1,46
